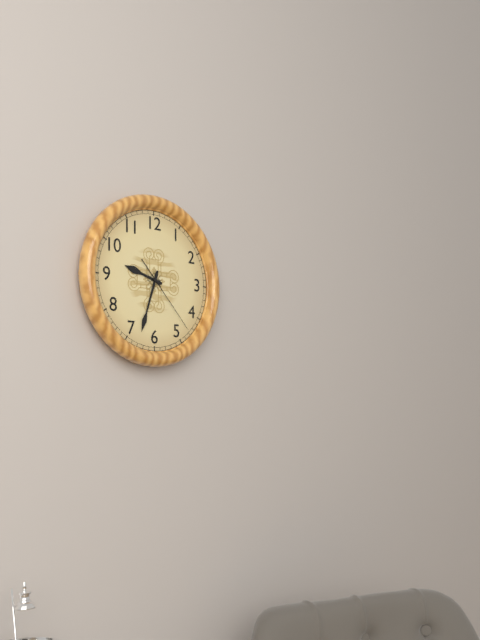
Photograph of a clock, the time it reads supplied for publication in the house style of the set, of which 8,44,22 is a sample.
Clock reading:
9,33,23
